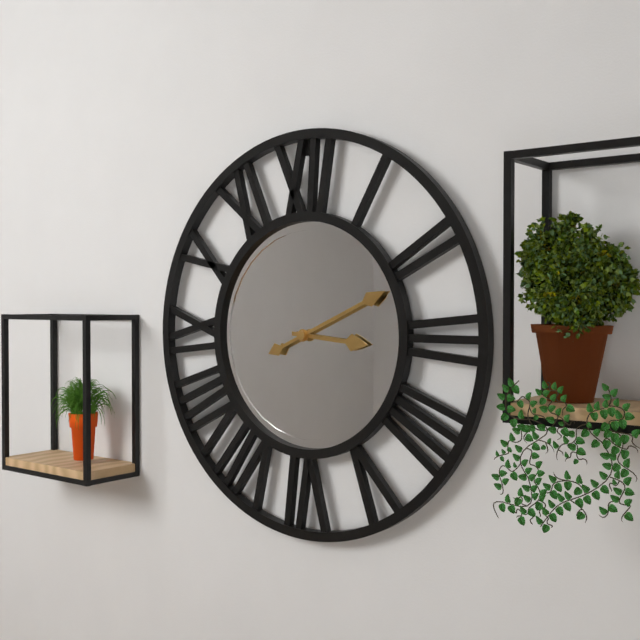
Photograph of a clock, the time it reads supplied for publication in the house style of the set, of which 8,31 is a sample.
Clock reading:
3,11
